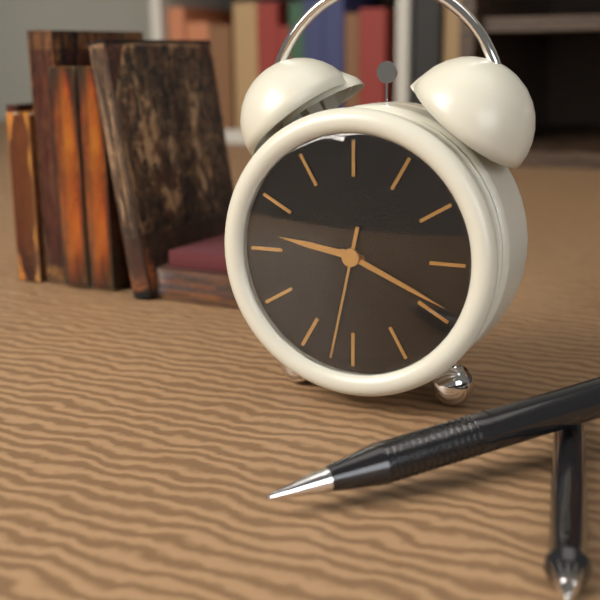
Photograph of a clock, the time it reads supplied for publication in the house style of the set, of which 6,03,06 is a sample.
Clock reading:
9,19,32
